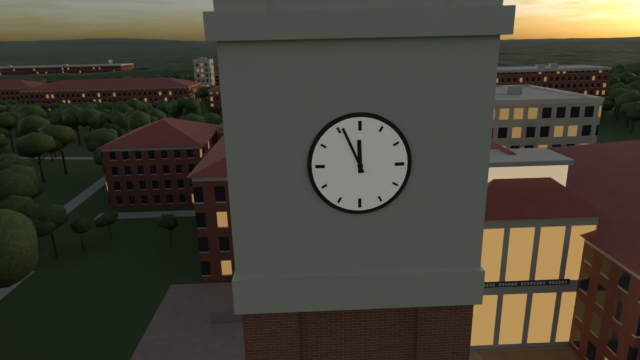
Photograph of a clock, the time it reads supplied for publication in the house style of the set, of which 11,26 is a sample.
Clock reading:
11,56
